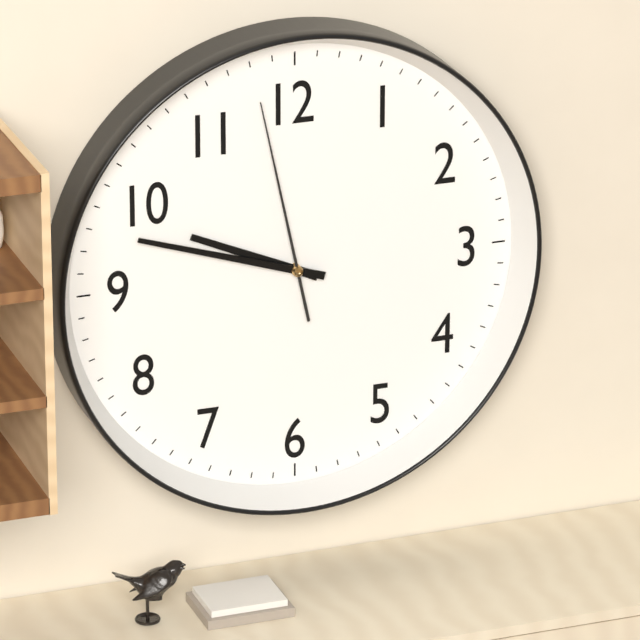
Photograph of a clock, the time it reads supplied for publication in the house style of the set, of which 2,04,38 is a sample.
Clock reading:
9,48,58
